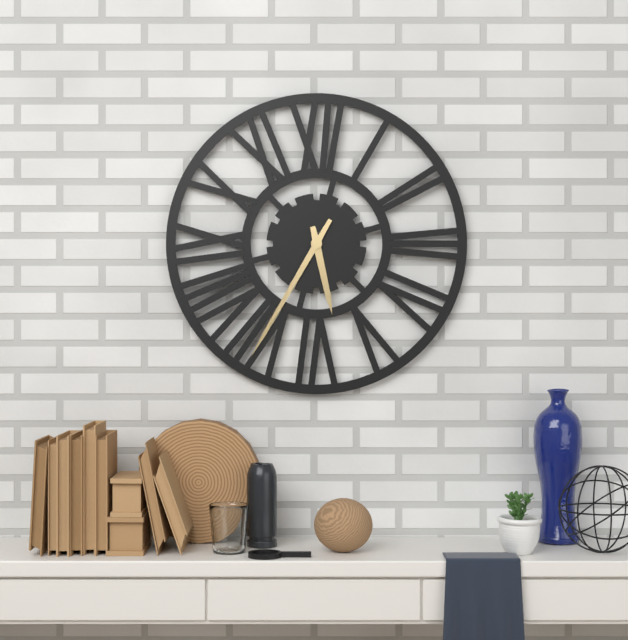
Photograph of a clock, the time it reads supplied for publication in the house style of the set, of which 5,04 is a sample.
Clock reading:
5,35
